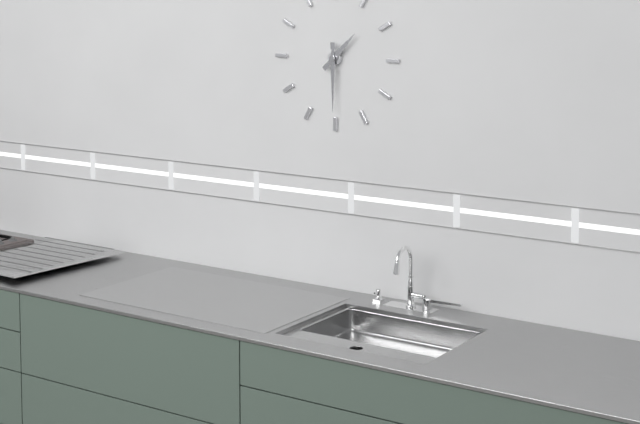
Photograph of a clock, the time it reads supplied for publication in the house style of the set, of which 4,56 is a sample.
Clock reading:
1,30
